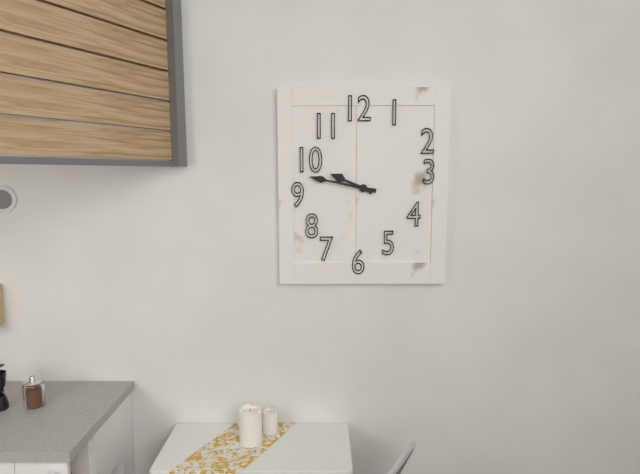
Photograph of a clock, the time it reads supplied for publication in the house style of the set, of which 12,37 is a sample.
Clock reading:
9,47
